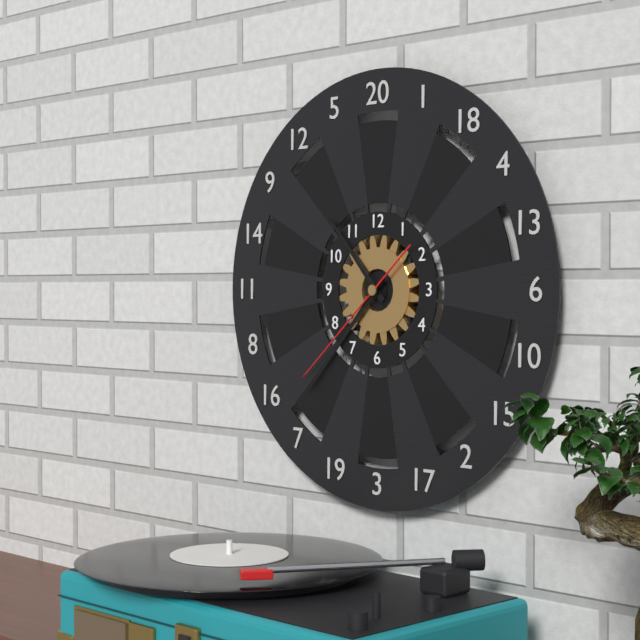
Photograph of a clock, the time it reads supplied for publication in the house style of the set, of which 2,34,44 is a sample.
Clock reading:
10,37,38
